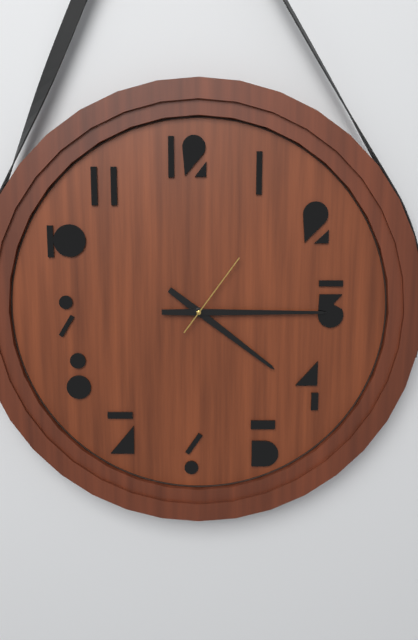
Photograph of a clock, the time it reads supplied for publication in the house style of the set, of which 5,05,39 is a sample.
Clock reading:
4,15,06
